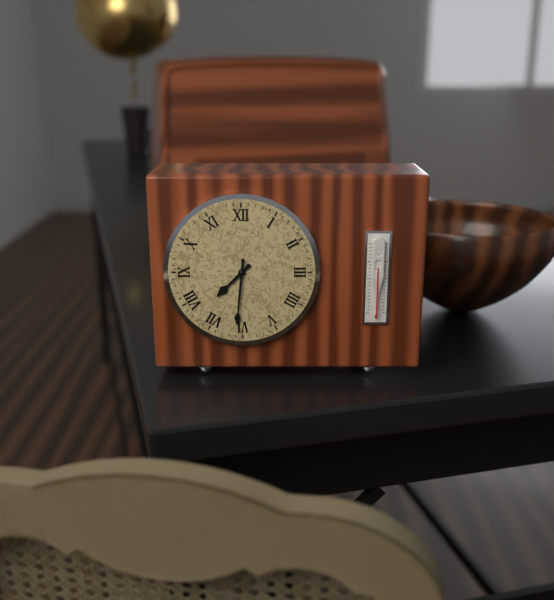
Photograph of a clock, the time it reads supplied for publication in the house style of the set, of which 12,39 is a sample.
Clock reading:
7,31
